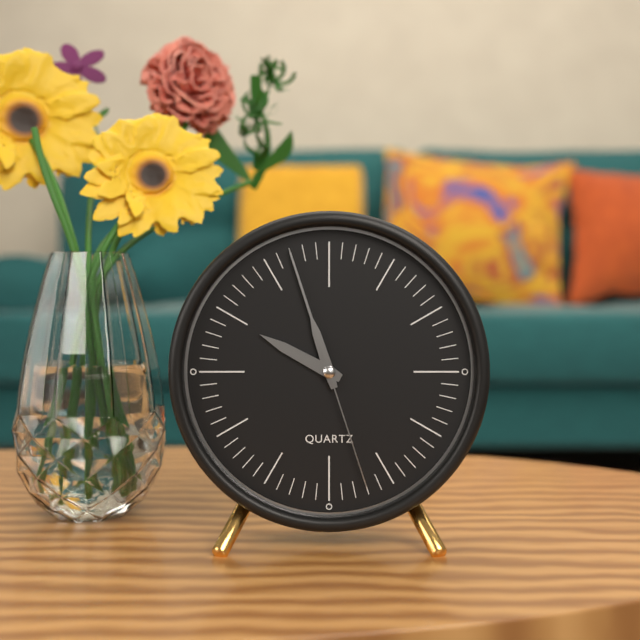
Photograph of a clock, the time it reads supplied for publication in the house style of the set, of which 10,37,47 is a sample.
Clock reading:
9,57,27
